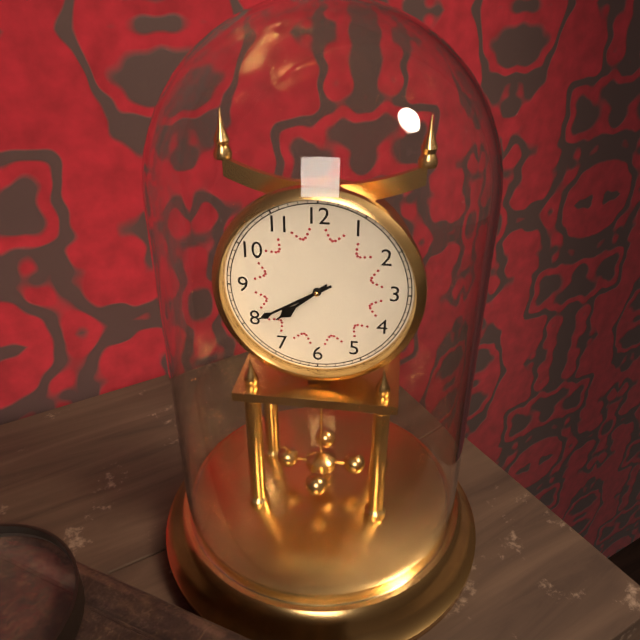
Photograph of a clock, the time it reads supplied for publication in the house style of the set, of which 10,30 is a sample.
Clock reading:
7,40
